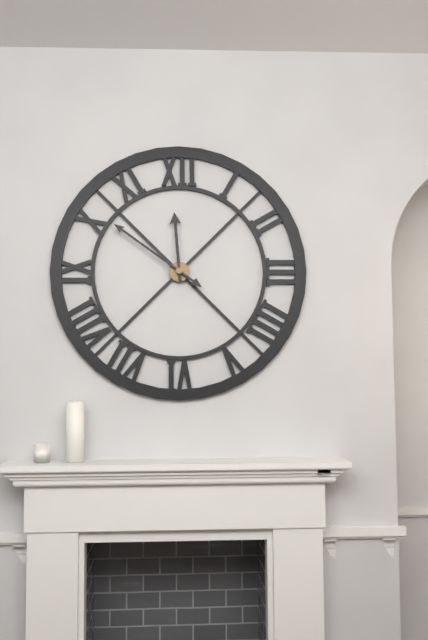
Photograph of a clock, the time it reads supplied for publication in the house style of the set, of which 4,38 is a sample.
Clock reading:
11,51
